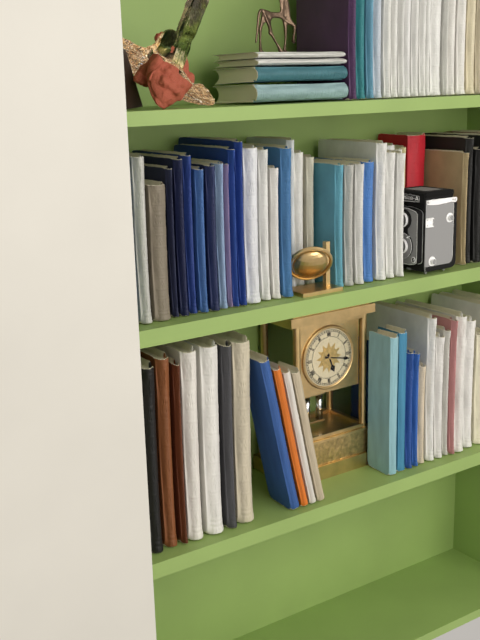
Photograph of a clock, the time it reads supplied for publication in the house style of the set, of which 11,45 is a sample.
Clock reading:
5,17
